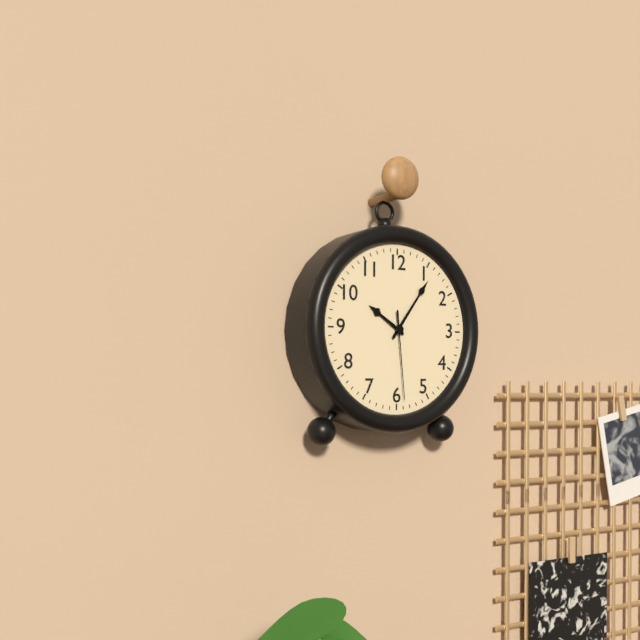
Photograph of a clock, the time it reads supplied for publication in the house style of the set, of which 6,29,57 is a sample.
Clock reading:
10,06,29
